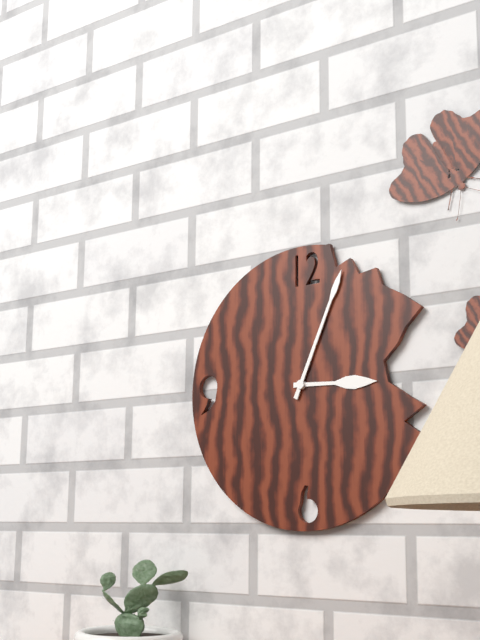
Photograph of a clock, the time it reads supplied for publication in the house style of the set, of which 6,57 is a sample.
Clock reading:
3,04
